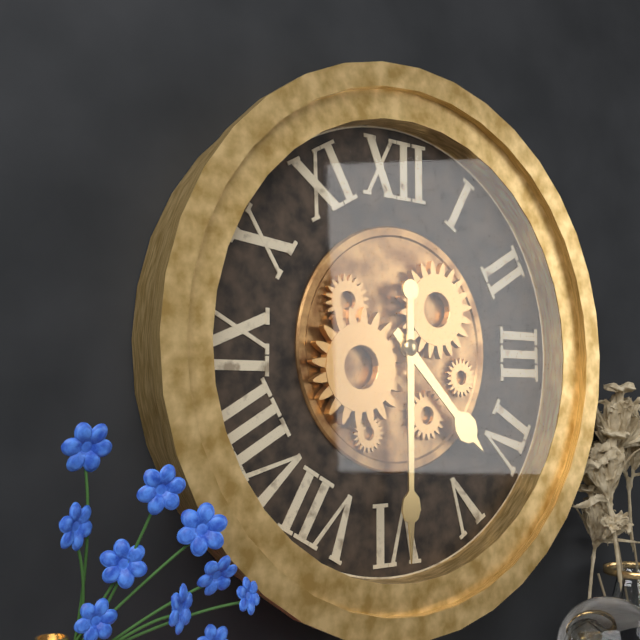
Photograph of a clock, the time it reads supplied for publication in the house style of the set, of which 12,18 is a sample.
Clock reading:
4,30
